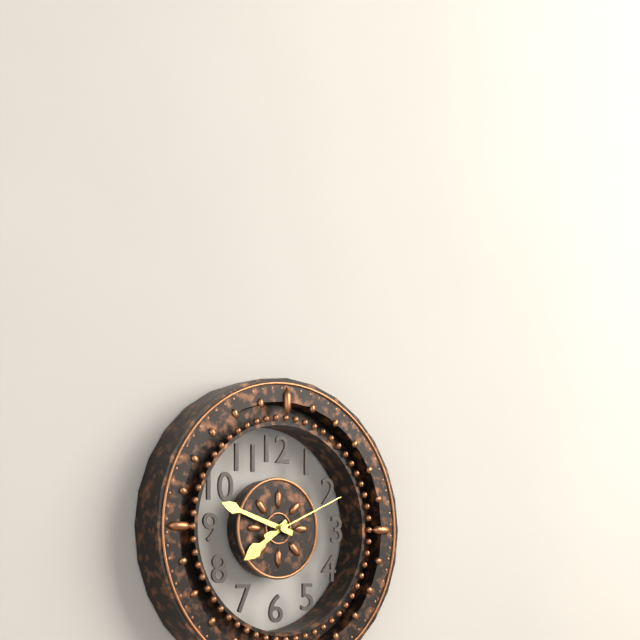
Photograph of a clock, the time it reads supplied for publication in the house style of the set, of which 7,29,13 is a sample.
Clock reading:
7,48,11
